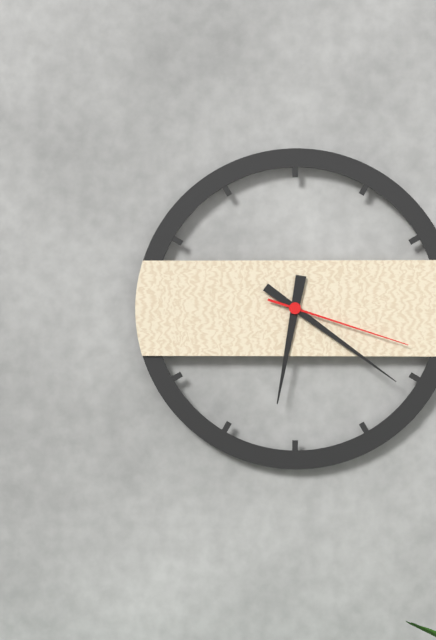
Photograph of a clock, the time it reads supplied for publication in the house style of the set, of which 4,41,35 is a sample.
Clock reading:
6,21,18
